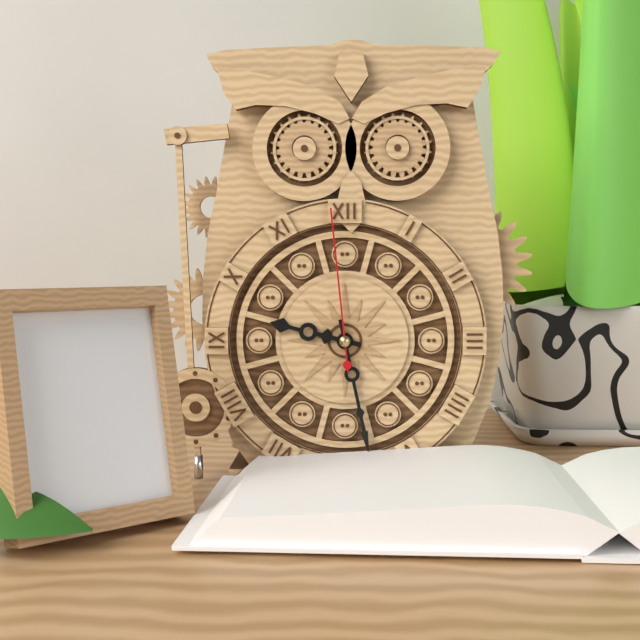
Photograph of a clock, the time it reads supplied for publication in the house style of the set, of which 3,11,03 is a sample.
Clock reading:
9,28,59
